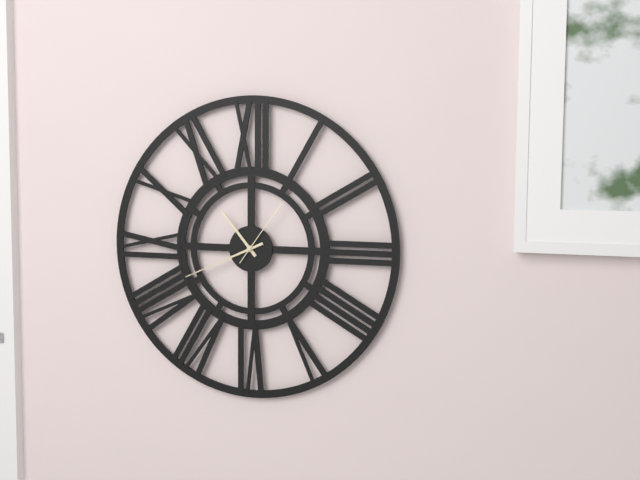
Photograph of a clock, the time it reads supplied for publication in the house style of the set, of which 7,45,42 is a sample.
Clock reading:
10,41,06
